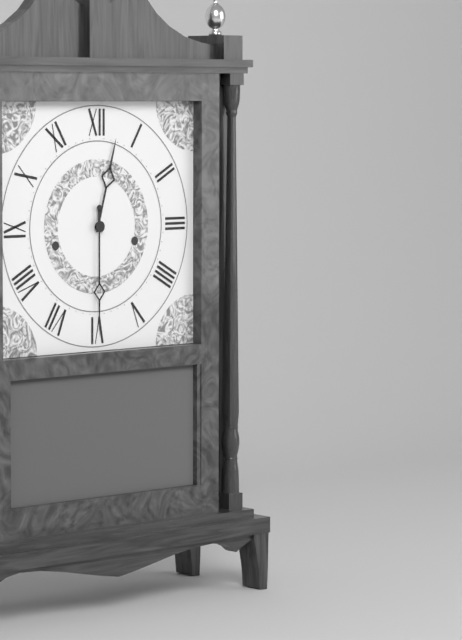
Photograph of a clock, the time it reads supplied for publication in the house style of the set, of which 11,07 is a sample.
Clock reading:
12,30
